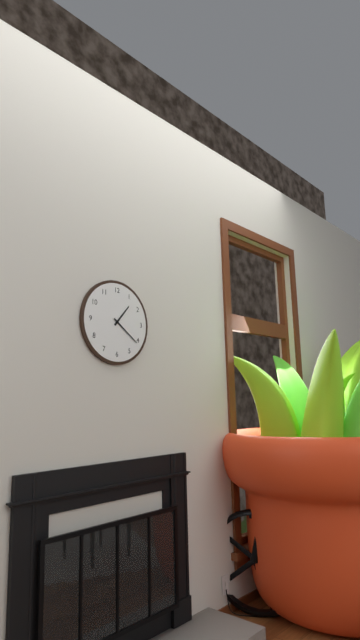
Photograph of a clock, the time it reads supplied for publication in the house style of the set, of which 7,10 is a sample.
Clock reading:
1,21
